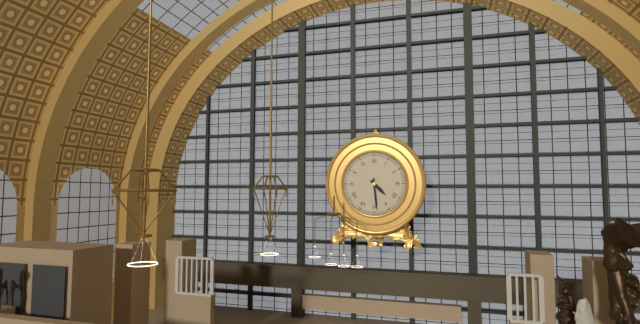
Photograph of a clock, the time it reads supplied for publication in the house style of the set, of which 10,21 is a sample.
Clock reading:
4,29
